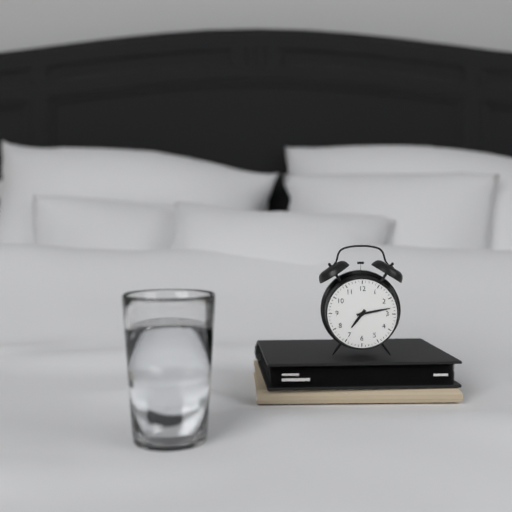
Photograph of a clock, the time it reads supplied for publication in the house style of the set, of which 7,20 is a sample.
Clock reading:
7,13
